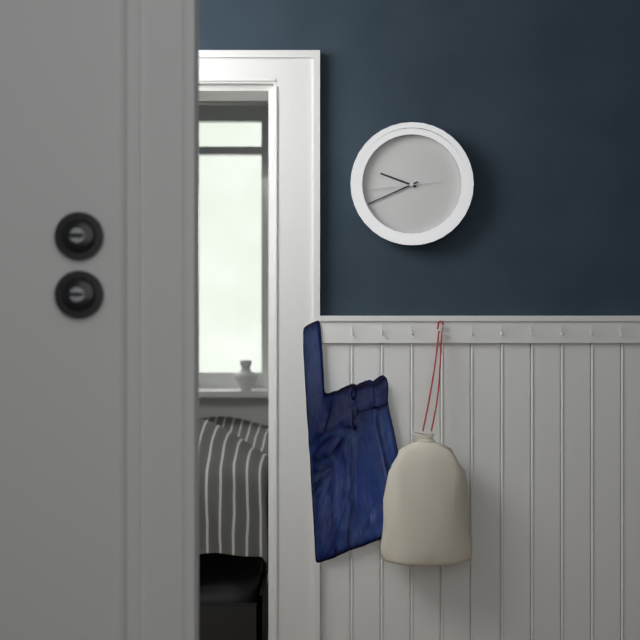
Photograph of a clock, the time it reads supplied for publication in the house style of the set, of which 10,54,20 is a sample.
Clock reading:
9,41,44
